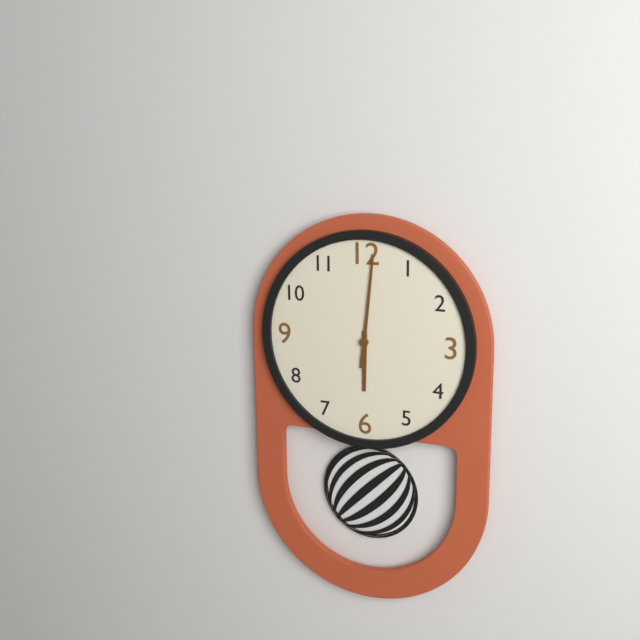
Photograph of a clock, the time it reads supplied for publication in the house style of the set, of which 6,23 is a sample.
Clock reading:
6,01
